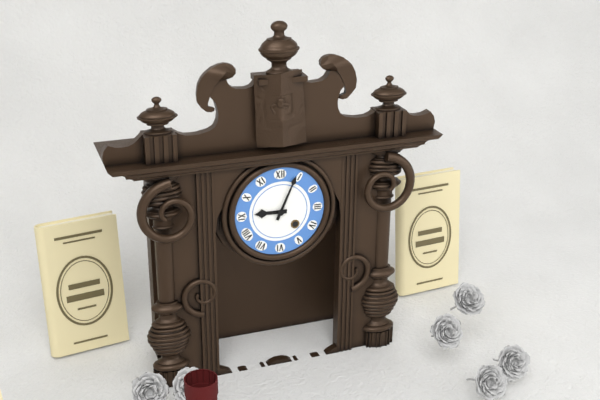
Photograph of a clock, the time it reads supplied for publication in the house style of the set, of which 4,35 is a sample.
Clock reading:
9,04
